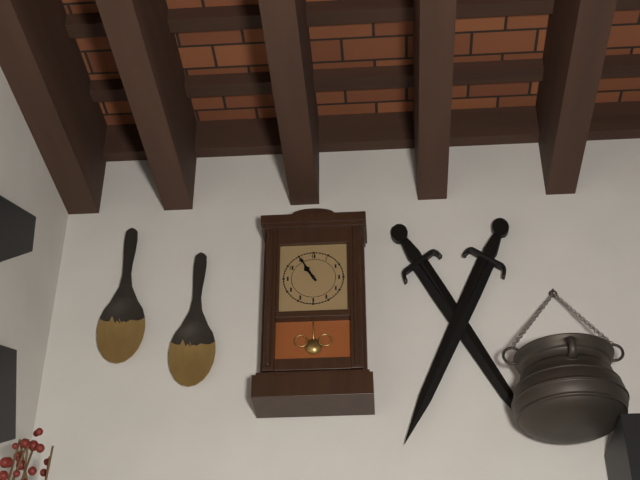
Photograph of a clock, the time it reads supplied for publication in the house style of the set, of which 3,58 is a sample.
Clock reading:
10,55
